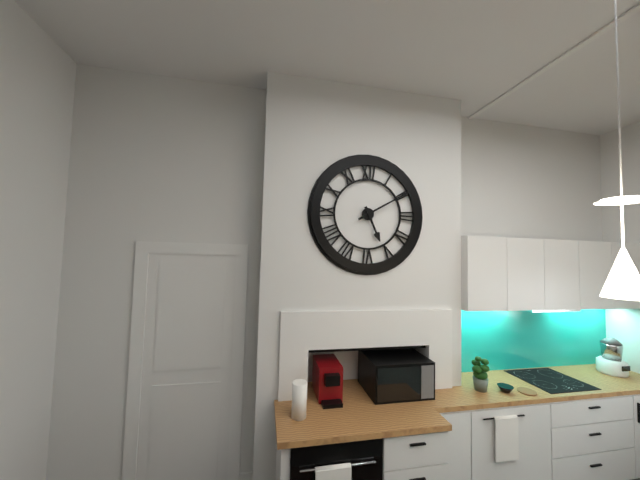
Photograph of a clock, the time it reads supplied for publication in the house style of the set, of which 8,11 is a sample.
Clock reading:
5,10
